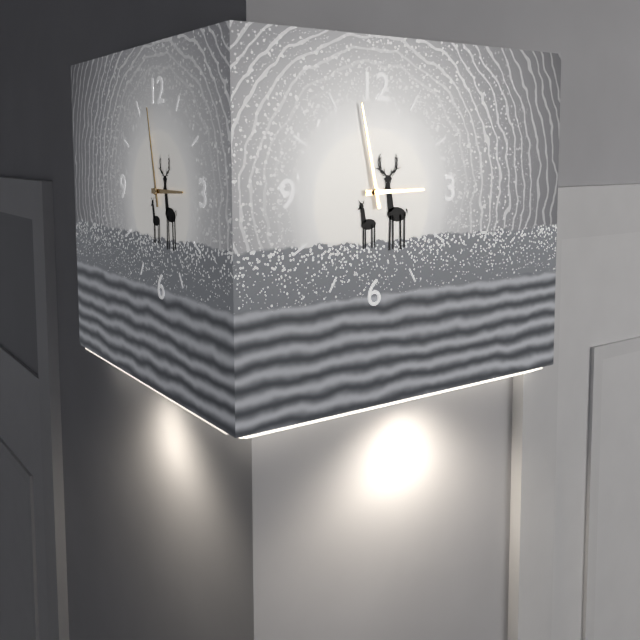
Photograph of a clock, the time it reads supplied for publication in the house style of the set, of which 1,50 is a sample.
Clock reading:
2,58
